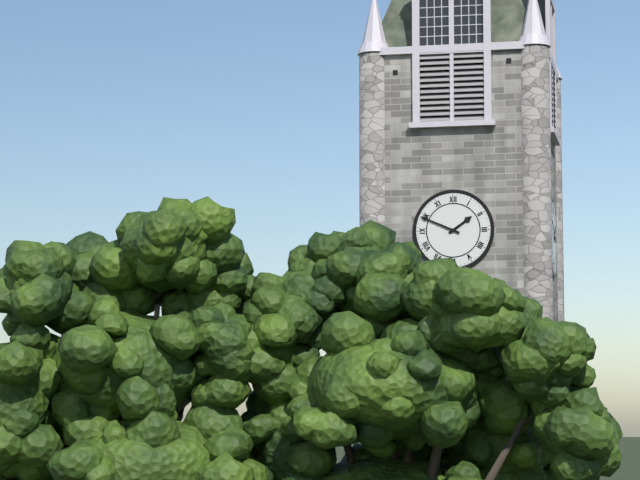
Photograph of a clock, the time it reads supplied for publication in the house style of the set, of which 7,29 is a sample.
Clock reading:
1,49
